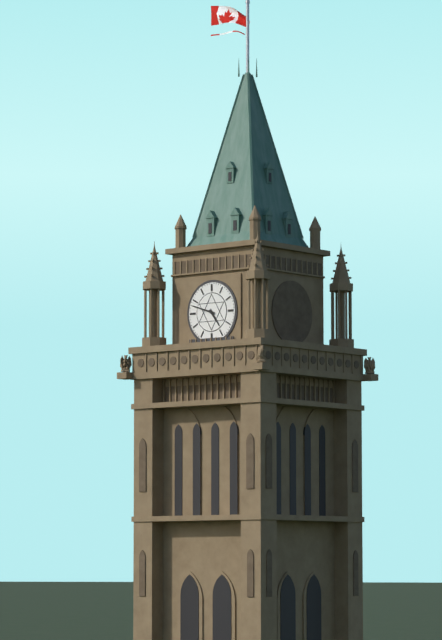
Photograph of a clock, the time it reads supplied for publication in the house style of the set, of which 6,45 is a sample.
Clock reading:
4,48
